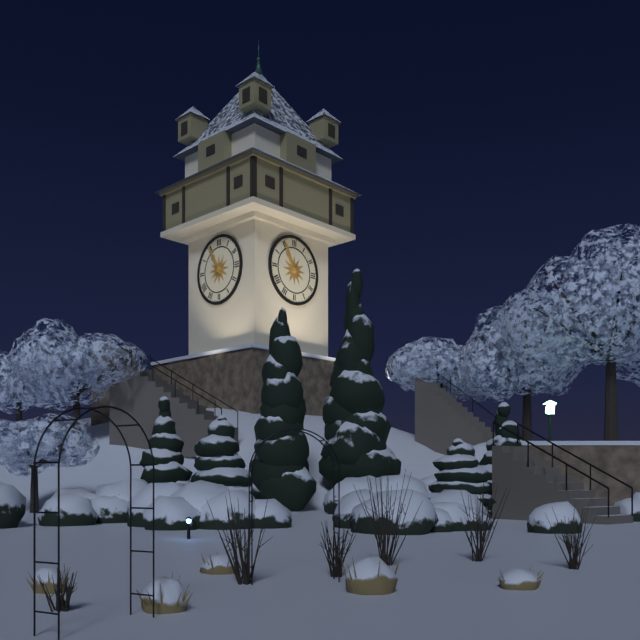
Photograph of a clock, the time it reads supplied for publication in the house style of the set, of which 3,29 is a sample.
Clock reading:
10,55
